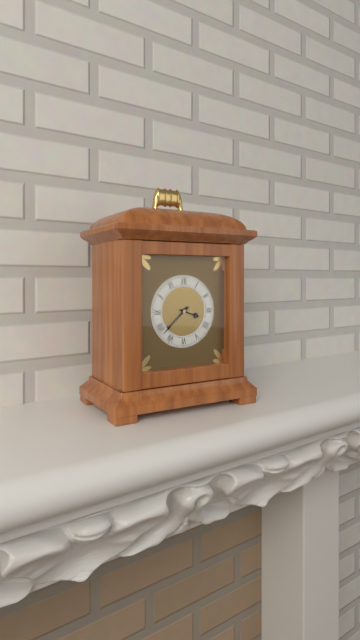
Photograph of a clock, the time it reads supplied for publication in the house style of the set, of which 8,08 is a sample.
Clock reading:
3,38
